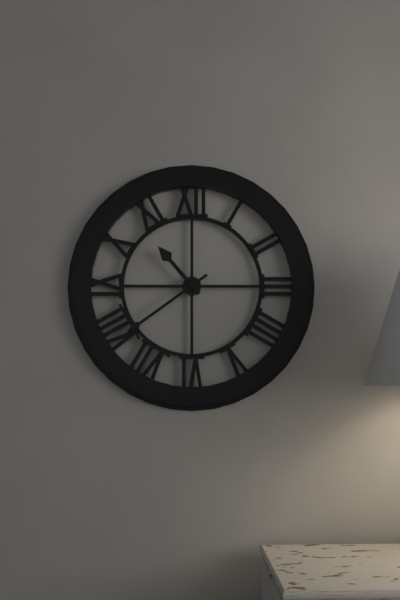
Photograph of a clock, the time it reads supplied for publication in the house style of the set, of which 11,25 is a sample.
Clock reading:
10,39
